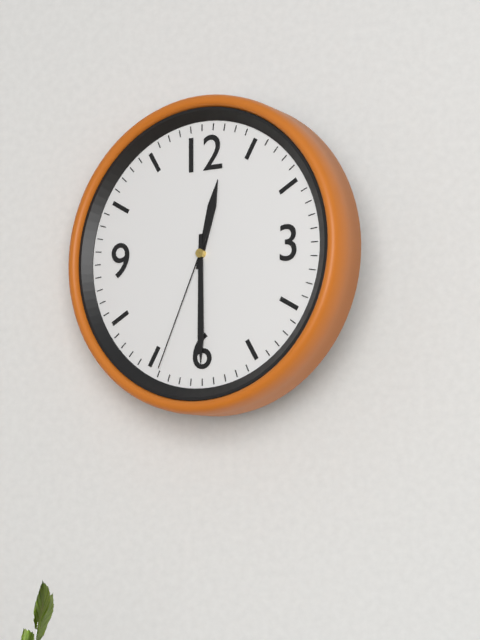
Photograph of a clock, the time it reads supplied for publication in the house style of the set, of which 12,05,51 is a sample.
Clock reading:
12,30,34
